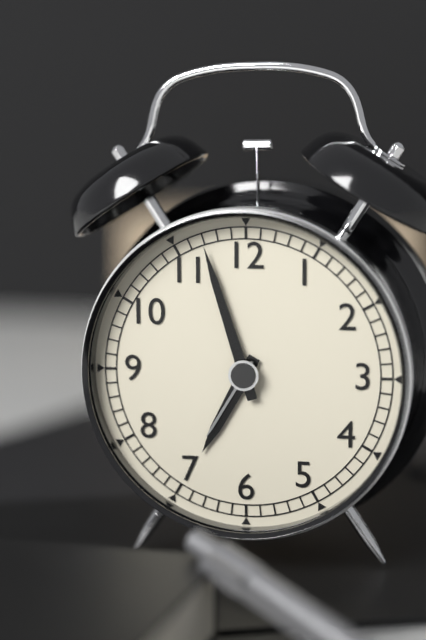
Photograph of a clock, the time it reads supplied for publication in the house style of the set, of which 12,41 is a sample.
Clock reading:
6,57
